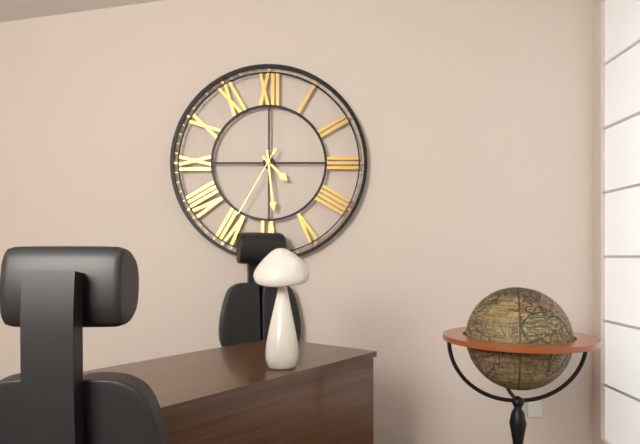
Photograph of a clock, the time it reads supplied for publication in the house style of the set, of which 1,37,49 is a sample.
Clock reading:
4,29,35
